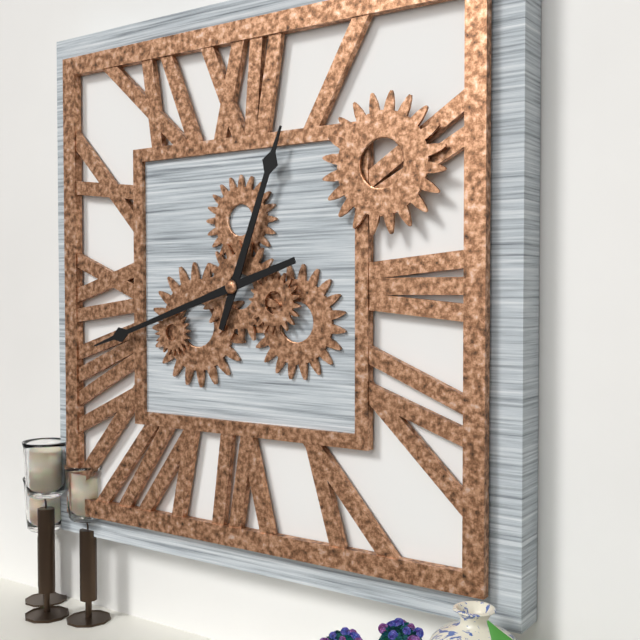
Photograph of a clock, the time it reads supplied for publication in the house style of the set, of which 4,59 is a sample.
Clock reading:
12,42
